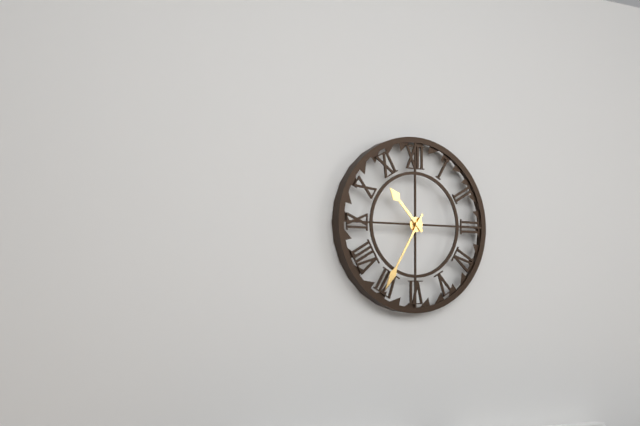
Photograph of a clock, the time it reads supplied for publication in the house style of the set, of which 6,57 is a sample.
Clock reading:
10,35
